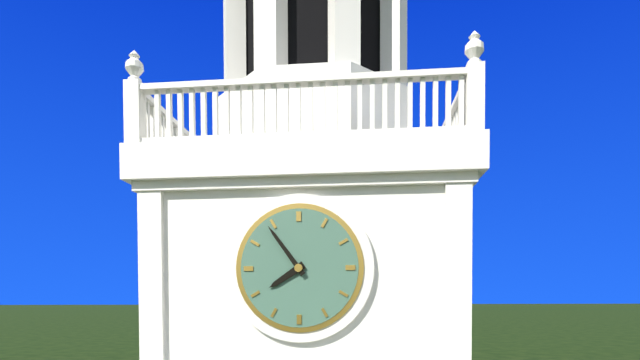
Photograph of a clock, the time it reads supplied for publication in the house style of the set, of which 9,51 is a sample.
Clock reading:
7,54
